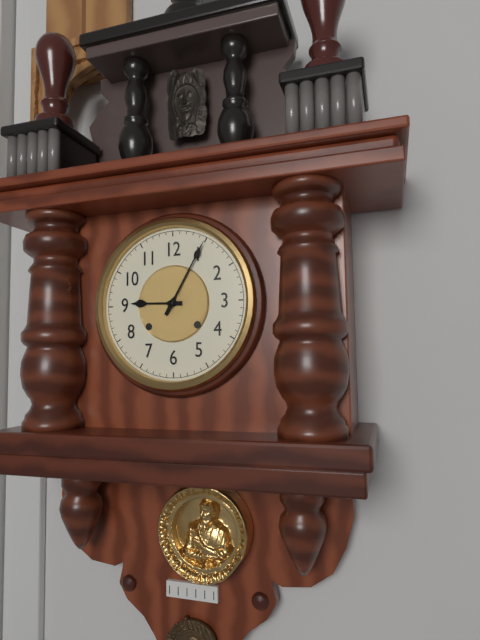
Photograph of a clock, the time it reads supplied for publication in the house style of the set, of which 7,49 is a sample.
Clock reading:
9,05
